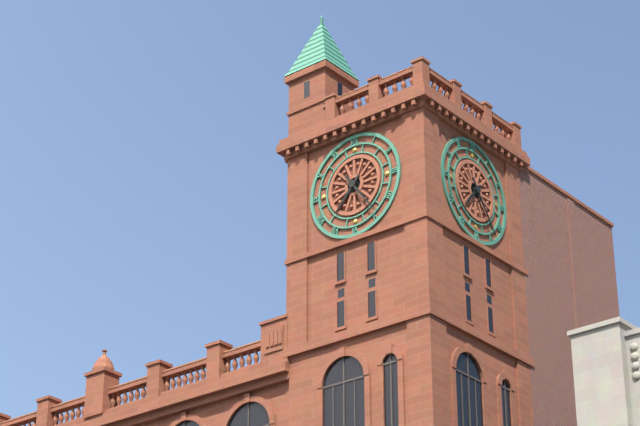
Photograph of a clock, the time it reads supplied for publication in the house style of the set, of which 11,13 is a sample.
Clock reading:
7,24
